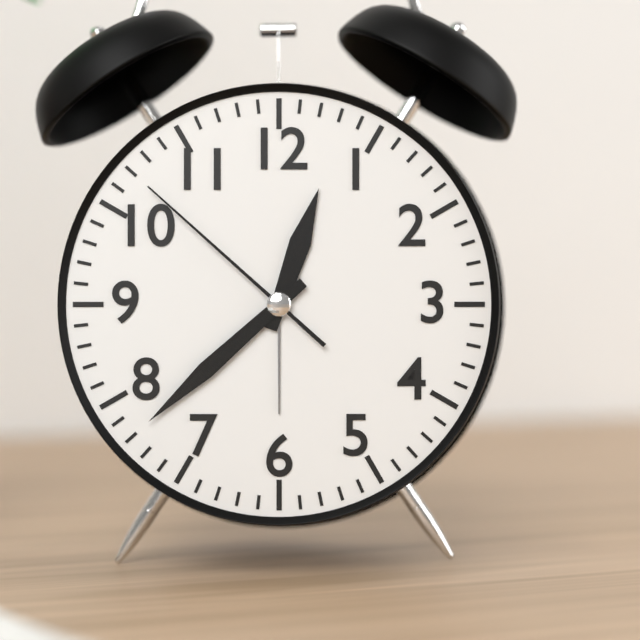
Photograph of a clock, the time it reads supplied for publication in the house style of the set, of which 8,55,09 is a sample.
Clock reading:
12,38,52
